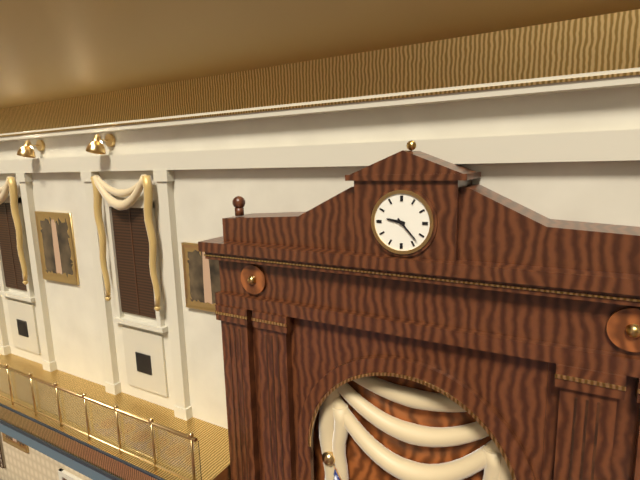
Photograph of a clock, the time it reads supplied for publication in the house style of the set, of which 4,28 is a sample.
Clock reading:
9,23
